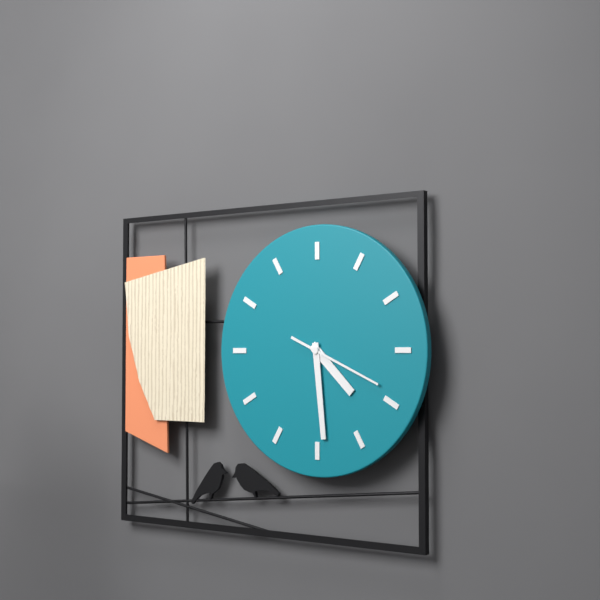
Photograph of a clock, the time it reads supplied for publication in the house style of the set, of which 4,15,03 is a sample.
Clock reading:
4,29,19
